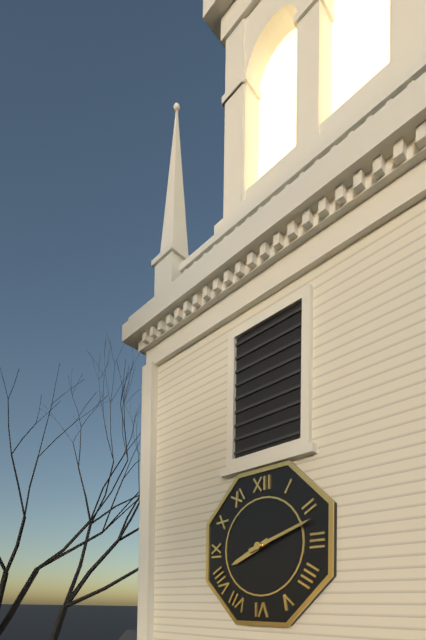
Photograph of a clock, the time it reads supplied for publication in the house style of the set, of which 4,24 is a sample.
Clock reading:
8,12
